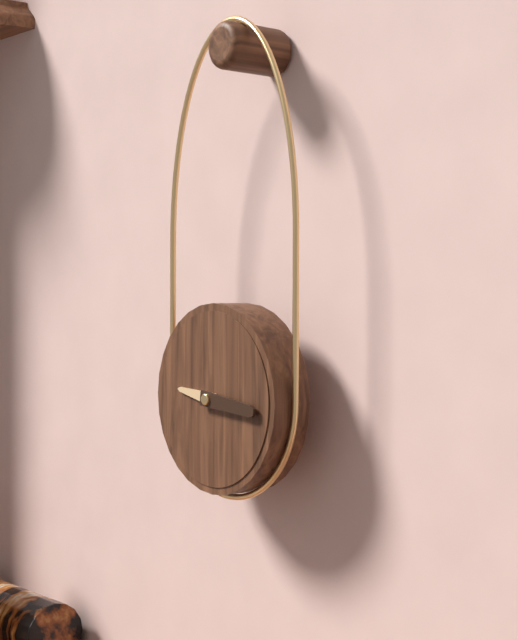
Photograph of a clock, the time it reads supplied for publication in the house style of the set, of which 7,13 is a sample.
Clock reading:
9,16
